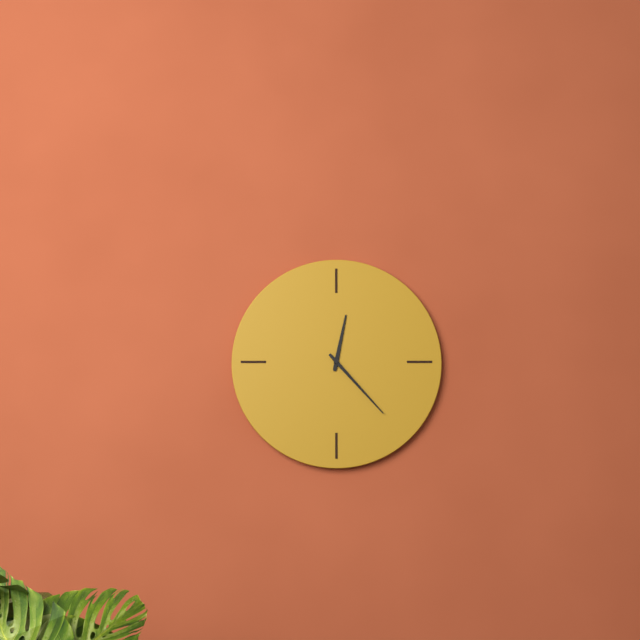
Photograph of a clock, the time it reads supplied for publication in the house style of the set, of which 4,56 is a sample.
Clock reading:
12,23
